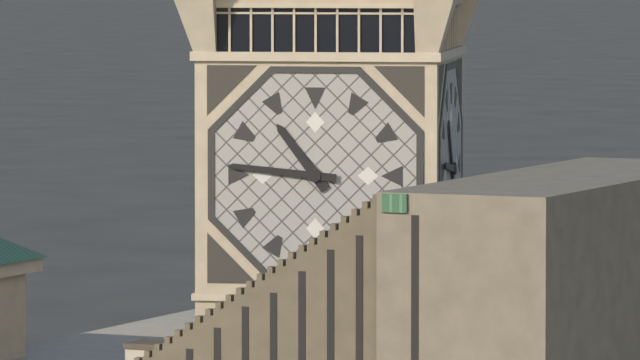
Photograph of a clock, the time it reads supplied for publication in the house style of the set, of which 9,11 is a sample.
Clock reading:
10,46
